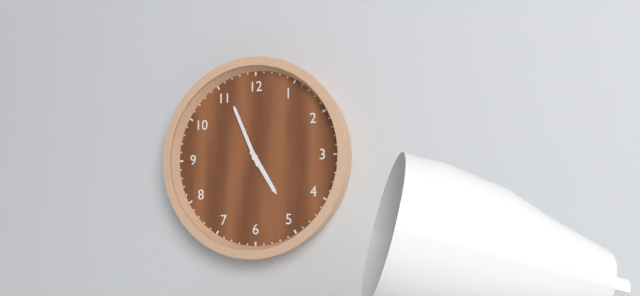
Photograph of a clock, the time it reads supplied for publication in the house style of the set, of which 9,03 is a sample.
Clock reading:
4,56
